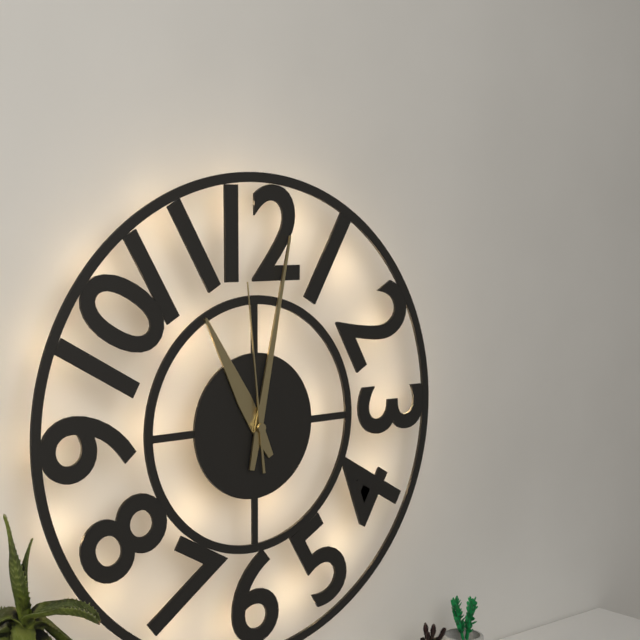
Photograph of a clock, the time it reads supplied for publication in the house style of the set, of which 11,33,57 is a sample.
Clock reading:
11,02,59
